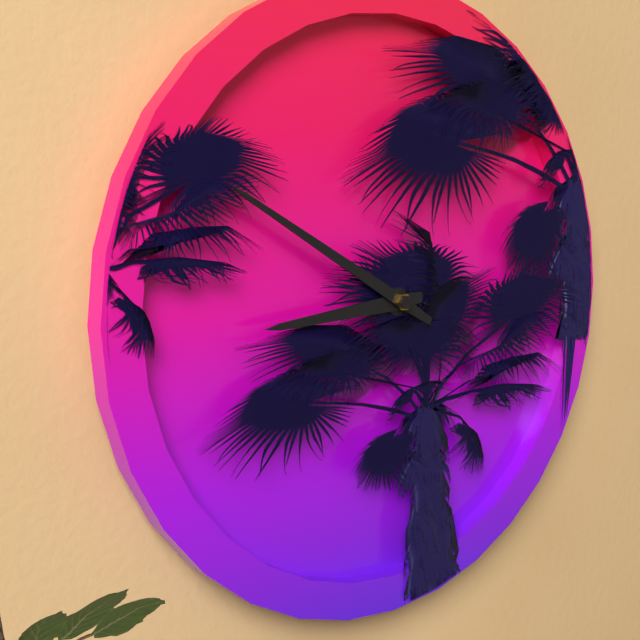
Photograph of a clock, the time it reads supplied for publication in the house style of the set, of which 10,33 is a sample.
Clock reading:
8,50
